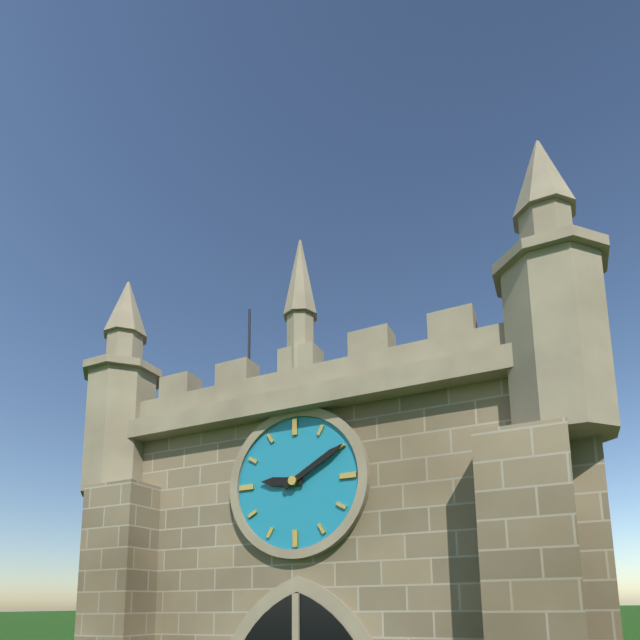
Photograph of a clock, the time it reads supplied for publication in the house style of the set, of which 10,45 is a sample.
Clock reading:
9,10
